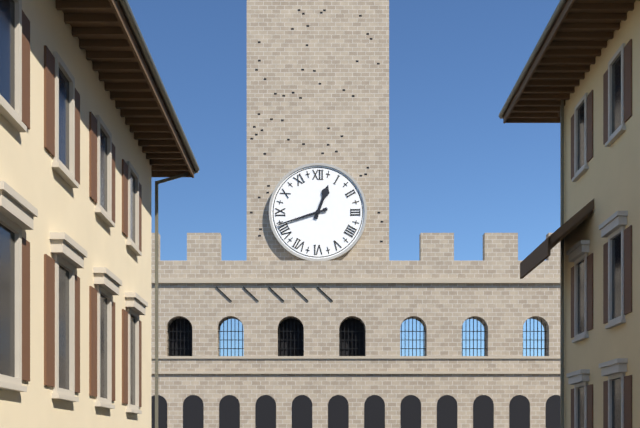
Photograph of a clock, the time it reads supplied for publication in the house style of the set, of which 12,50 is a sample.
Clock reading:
12,42
